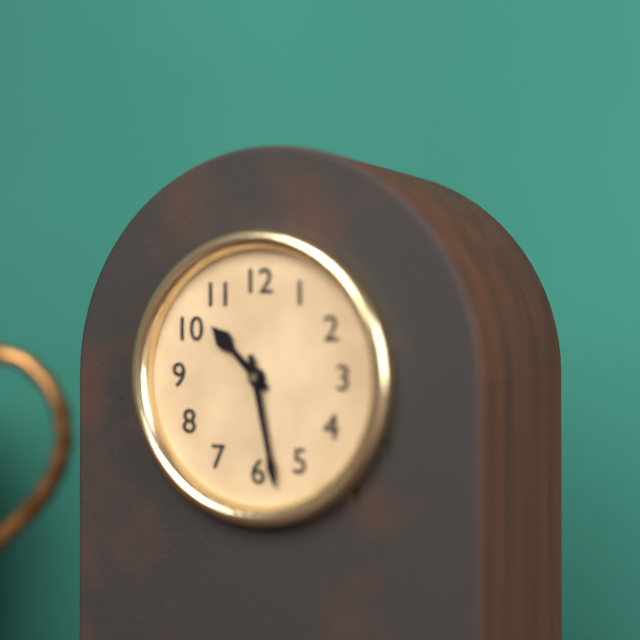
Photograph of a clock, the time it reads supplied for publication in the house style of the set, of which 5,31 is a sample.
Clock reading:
10,28
